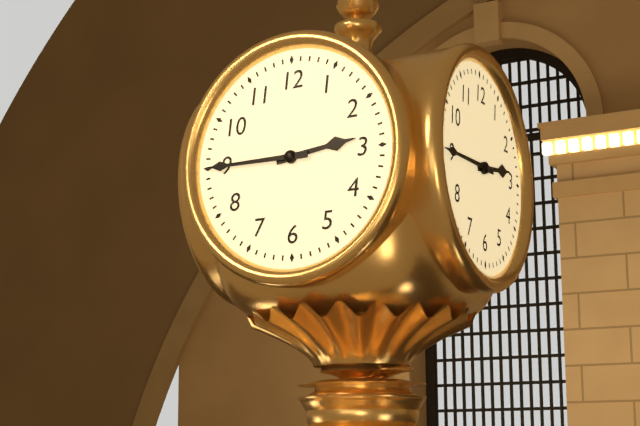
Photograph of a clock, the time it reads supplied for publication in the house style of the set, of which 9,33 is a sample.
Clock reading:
2,45
